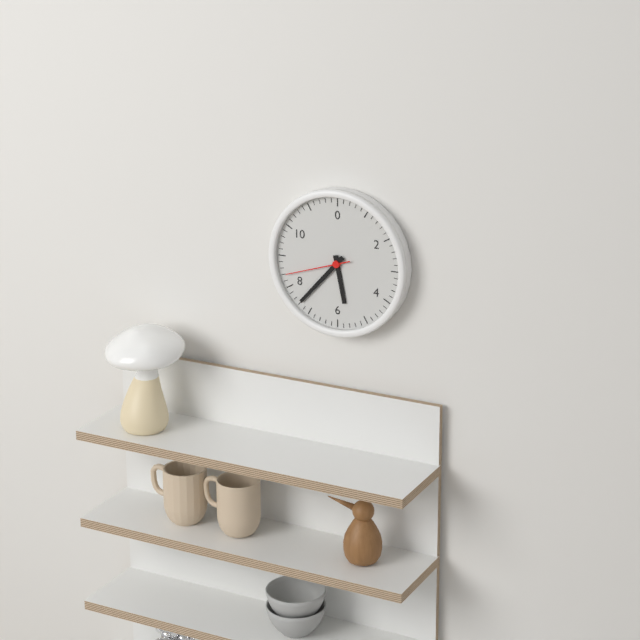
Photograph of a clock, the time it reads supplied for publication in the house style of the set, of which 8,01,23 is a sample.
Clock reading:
5,37,42
